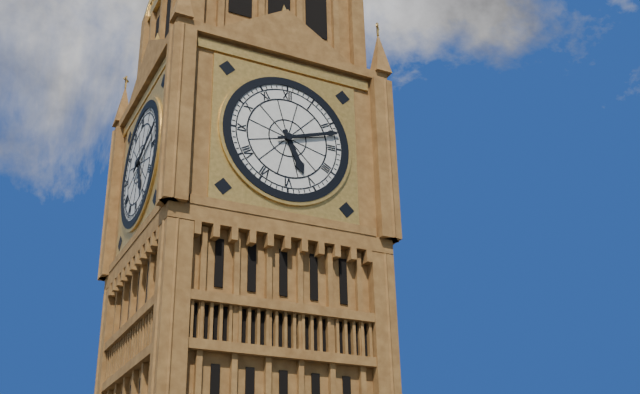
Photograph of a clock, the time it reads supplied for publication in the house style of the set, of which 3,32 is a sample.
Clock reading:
5,12
